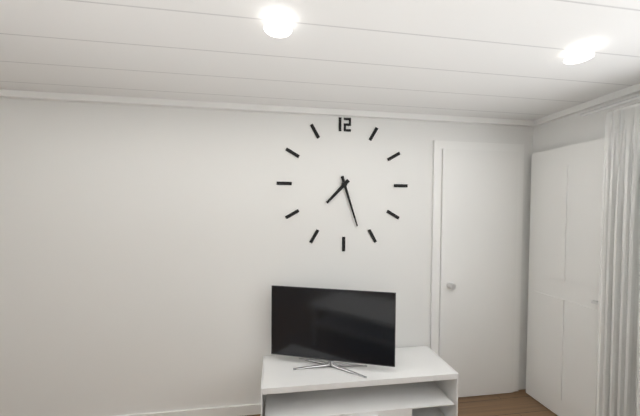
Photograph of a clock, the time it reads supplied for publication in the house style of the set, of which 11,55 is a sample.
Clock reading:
7,27
